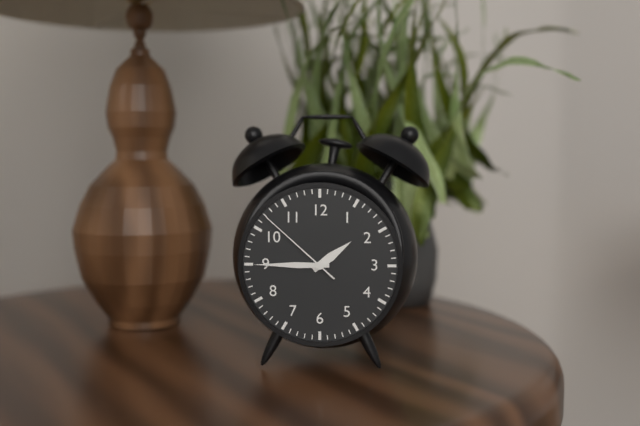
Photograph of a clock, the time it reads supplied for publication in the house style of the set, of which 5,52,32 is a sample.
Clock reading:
1,45,52
